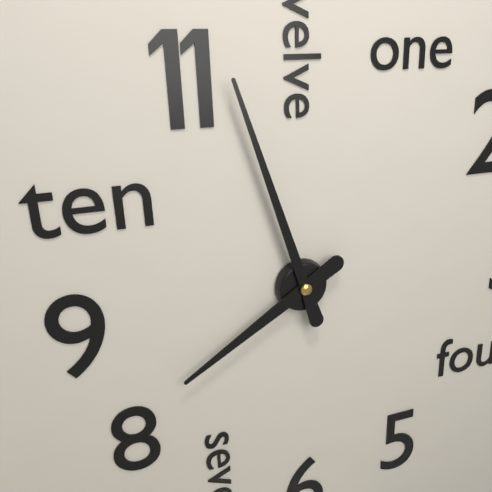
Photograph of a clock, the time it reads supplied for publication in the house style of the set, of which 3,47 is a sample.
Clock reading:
7,57
